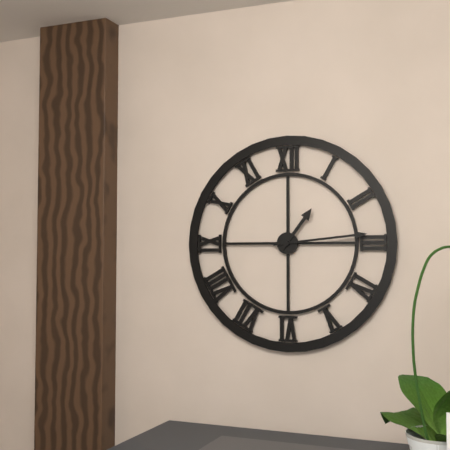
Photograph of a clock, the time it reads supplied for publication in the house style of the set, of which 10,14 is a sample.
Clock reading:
1,14
